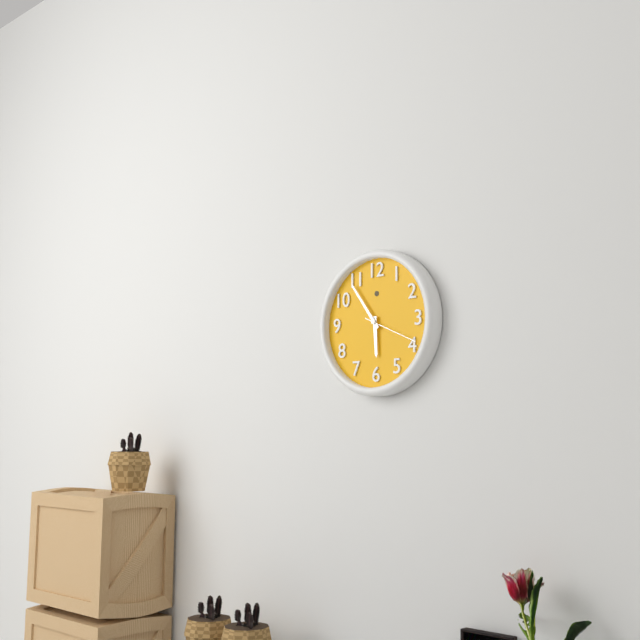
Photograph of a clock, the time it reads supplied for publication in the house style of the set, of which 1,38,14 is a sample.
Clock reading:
5,54,19
